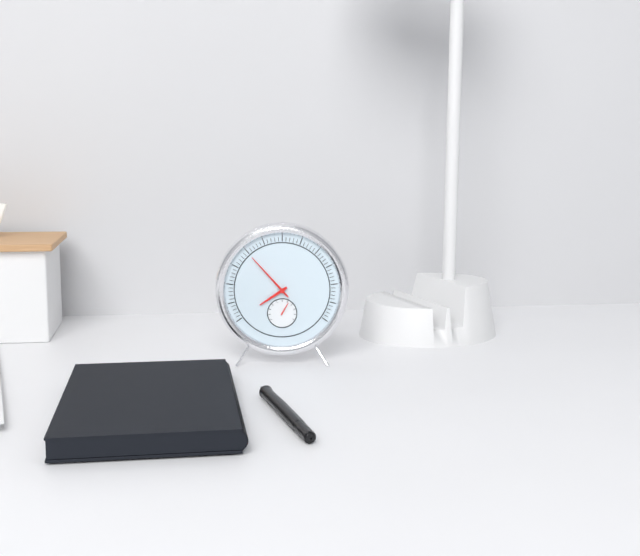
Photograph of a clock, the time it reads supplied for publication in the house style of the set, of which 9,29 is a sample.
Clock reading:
7,53
